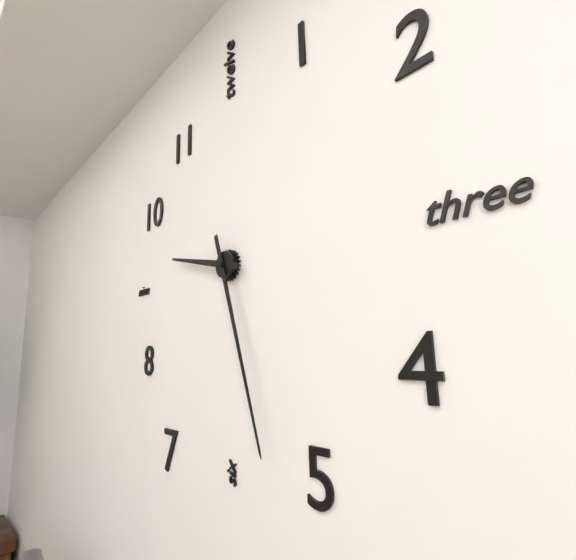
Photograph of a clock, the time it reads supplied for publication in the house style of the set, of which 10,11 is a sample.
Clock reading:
9,27
